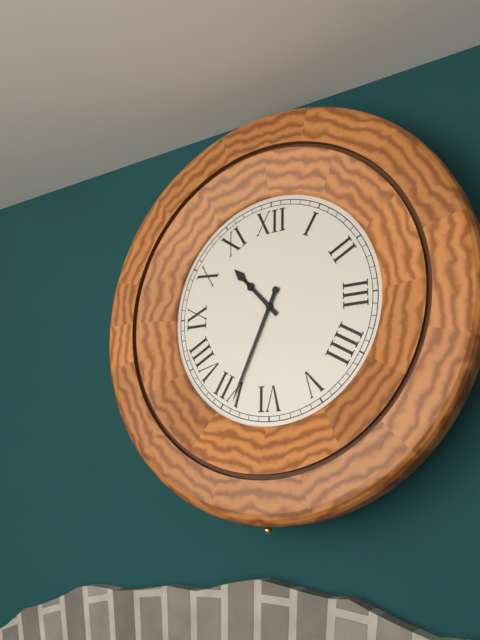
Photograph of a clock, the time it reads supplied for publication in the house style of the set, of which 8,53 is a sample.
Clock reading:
10,34
